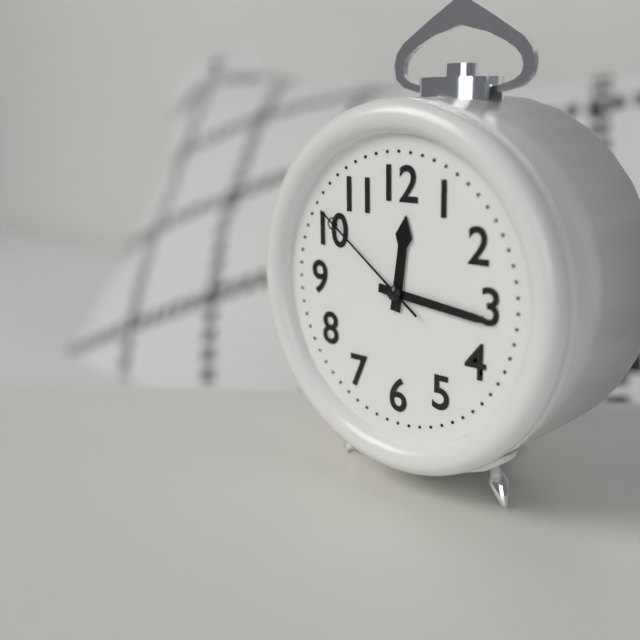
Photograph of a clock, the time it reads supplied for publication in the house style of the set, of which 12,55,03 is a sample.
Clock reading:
12,16,51
